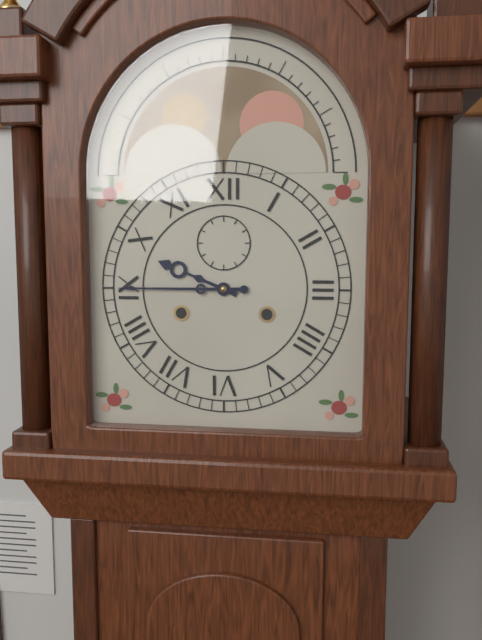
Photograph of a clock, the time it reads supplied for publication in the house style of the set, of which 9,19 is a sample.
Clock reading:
9,45
